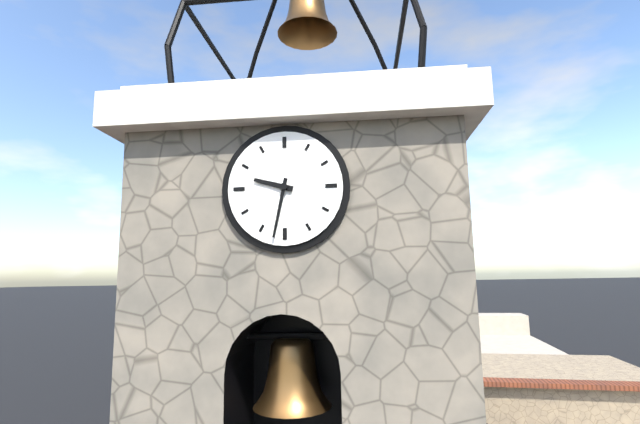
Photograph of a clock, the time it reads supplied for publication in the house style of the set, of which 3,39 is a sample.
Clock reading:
9,32
